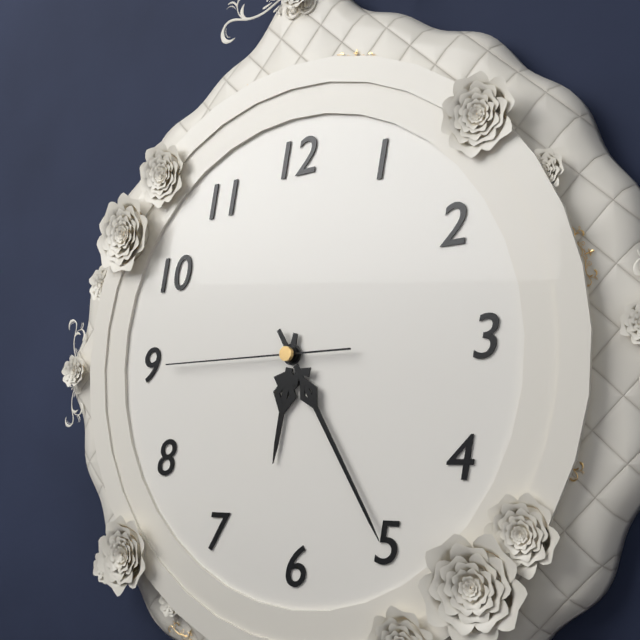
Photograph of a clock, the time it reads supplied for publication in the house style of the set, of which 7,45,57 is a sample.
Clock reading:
6,25,45
